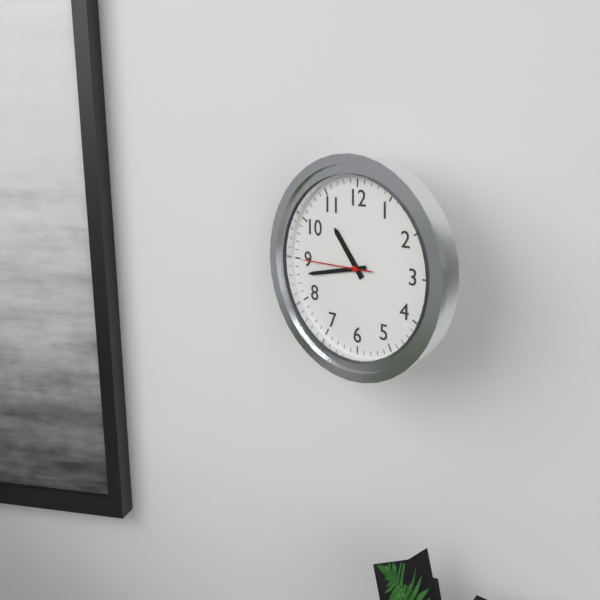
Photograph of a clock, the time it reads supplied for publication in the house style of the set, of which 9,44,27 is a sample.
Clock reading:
10,43,45
